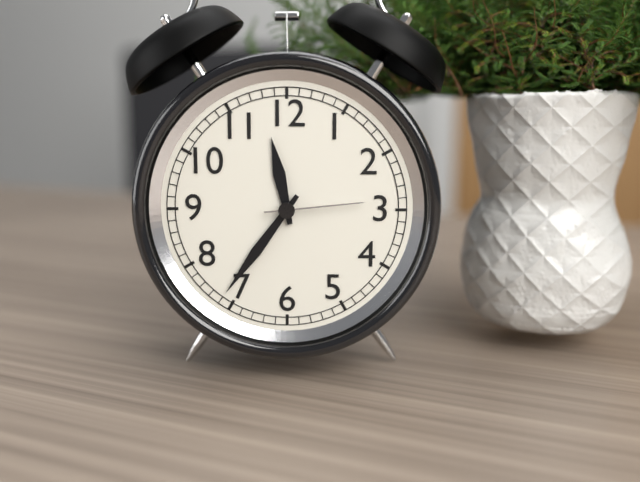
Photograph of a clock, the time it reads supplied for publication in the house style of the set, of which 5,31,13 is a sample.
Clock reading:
11,36,14
